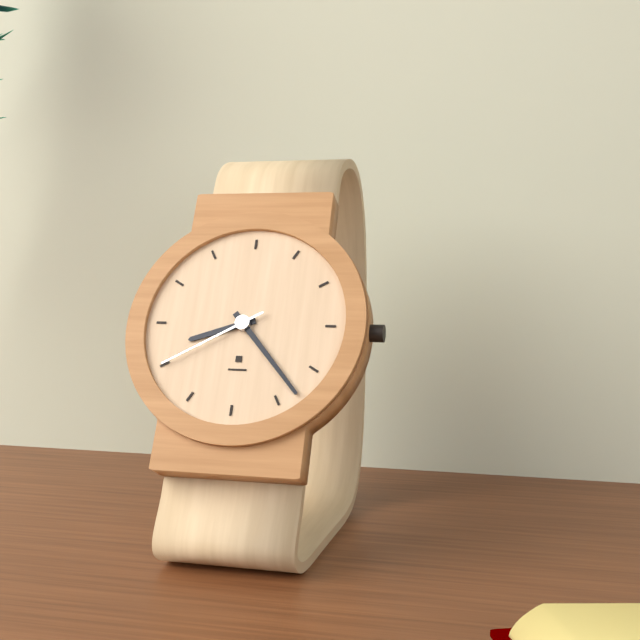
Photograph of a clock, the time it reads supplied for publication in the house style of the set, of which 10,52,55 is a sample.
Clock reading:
8,23,40
